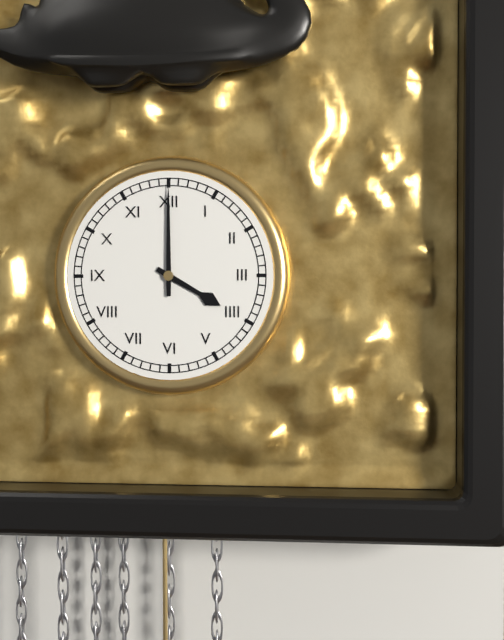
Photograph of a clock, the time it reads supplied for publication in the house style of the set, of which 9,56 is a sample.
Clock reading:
4,00
